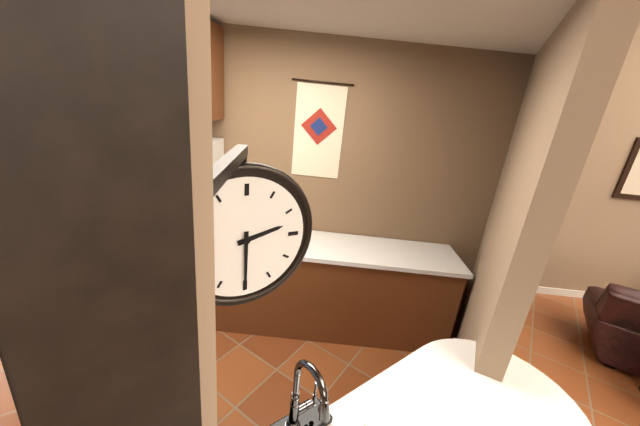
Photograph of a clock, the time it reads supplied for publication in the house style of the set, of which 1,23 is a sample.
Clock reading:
2,30
